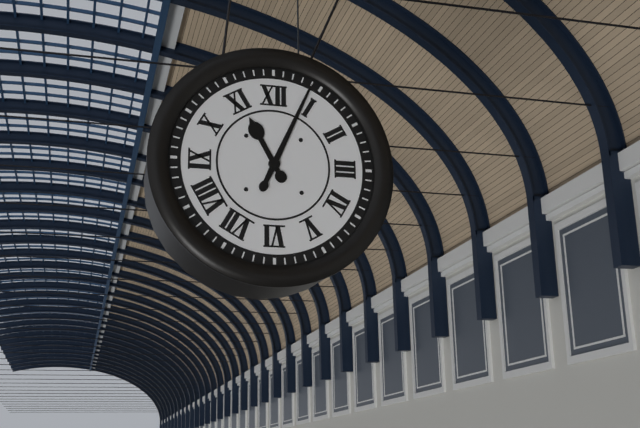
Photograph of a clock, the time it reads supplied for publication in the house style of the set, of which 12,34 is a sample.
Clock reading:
11,04
